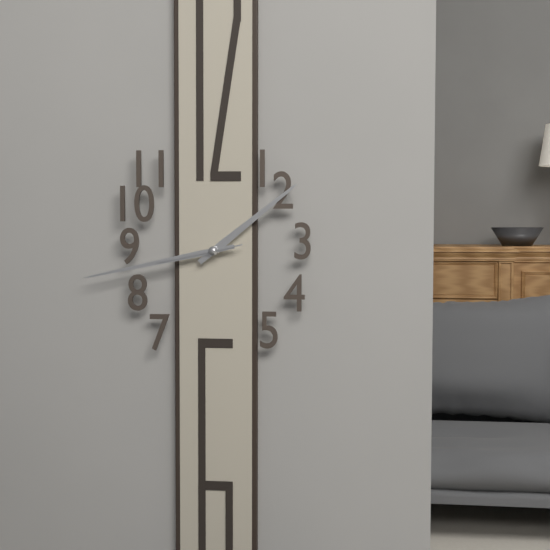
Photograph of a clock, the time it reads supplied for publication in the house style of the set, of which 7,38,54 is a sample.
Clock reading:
1,43,43
